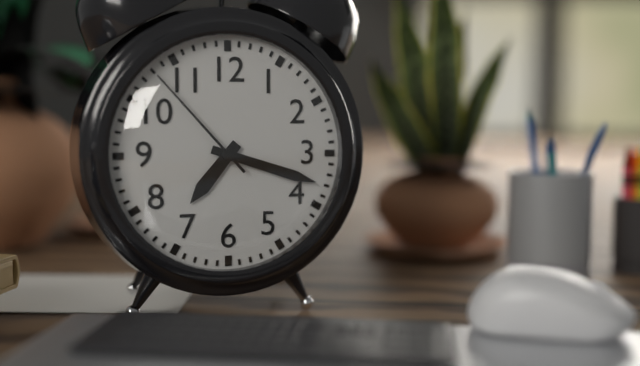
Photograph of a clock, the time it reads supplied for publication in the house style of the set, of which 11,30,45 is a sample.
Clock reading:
7,18,53
